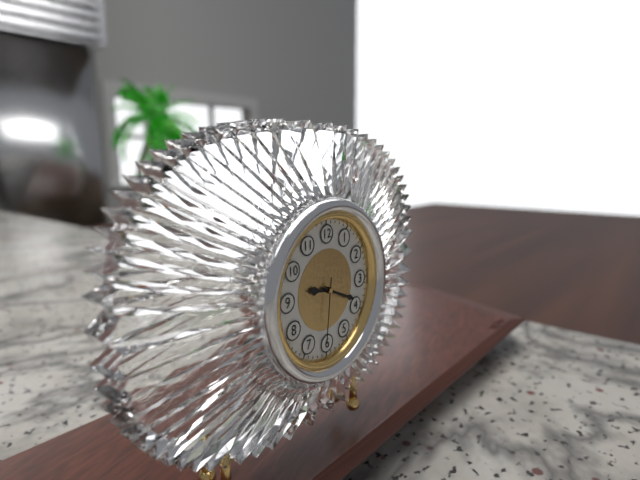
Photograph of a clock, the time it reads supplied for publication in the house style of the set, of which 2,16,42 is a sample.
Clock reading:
9,19,31
